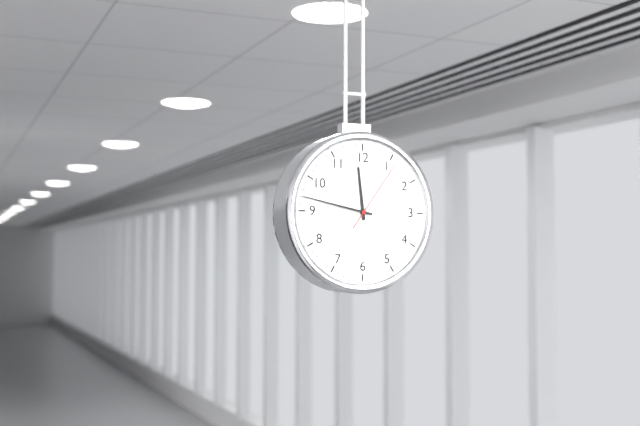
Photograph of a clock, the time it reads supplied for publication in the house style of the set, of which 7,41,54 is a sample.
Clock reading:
11,47,06
